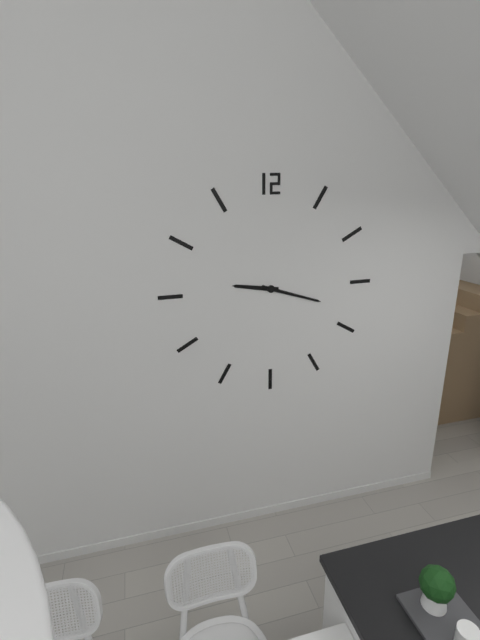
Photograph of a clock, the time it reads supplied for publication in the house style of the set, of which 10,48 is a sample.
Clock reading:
9,18
